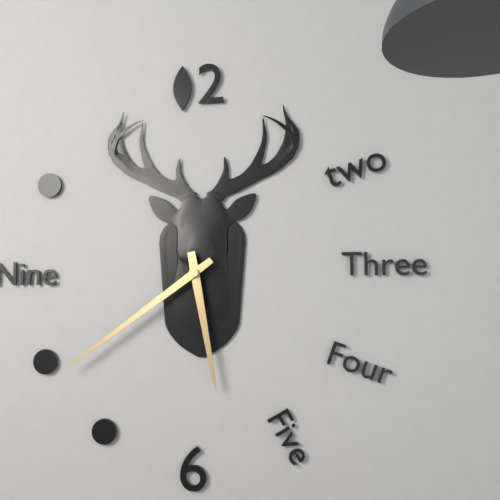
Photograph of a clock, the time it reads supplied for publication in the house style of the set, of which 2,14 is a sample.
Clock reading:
5,39
